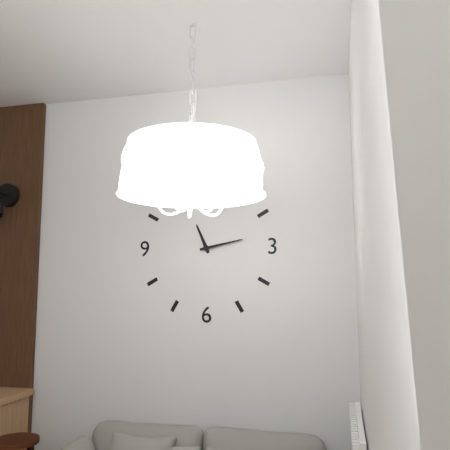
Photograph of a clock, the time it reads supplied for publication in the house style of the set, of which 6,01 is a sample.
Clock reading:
11,13
